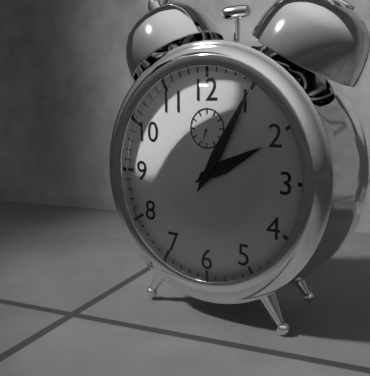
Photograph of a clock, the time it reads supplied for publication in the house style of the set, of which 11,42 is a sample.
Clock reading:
2,05
